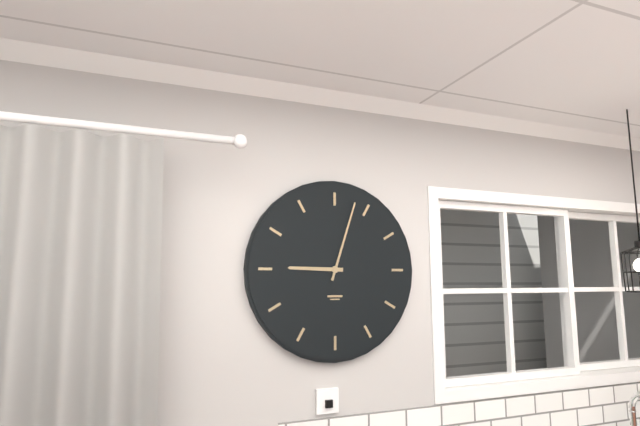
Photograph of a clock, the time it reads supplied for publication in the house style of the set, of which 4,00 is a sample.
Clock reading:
9,03
